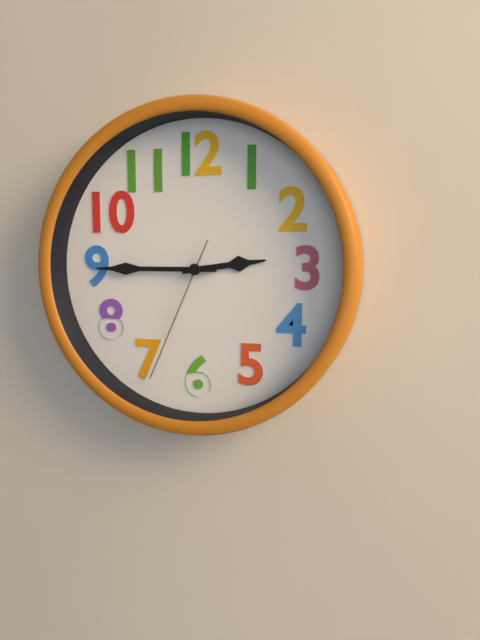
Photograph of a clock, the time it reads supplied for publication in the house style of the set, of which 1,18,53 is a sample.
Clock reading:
2,45,34
